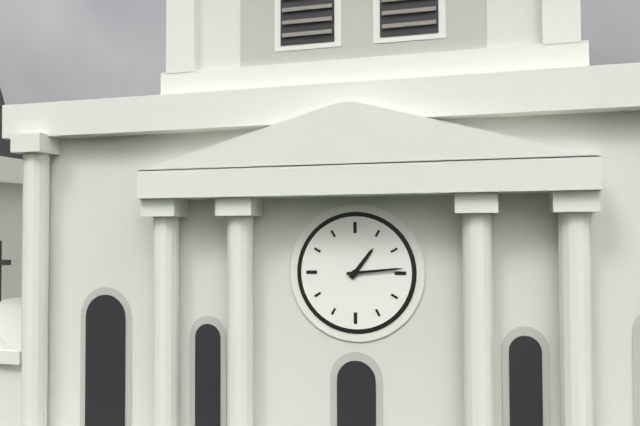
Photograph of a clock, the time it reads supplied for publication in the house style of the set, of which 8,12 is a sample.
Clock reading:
1,14
